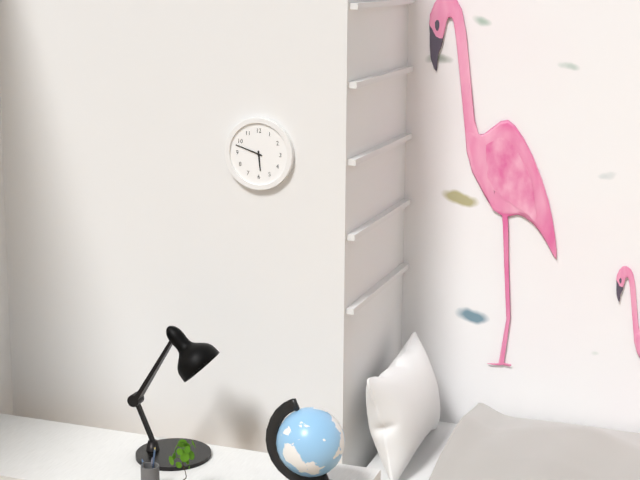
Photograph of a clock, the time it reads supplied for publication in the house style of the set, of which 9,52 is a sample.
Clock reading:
5,48
